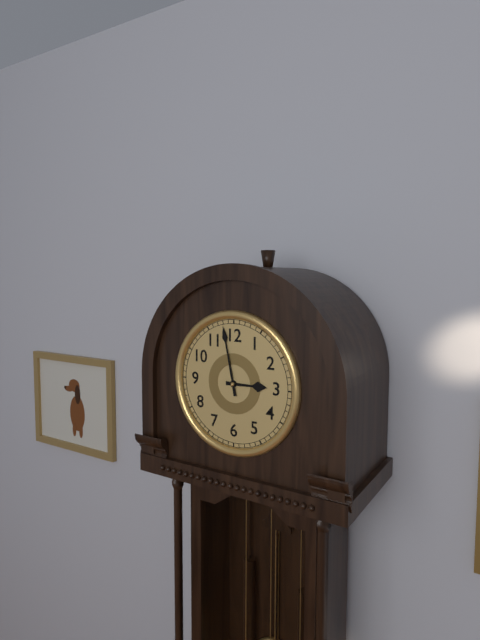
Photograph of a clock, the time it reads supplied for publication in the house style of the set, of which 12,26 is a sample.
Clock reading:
2,58
